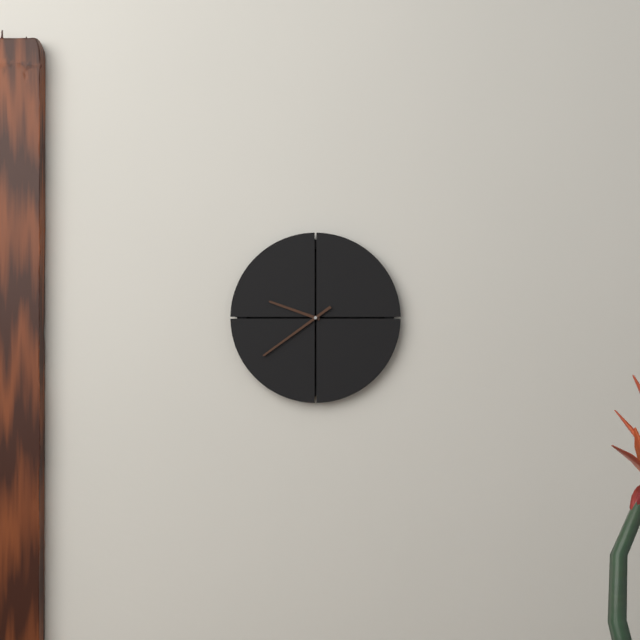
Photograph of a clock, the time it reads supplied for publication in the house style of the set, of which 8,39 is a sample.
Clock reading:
9,39
